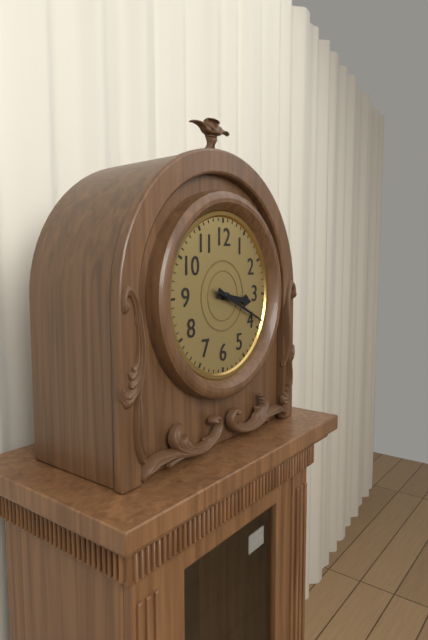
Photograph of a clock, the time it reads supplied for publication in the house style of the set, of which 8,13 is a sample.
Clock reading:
3,19
